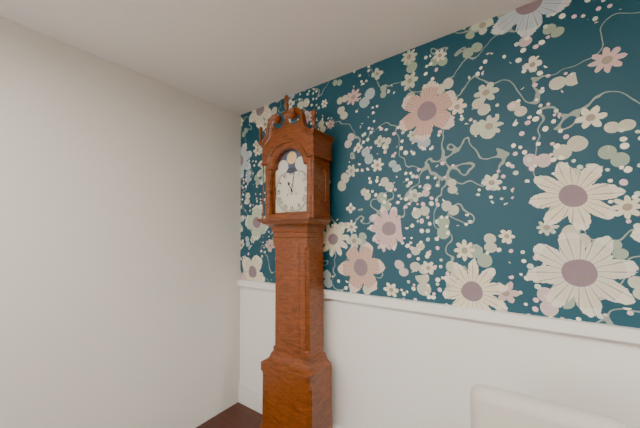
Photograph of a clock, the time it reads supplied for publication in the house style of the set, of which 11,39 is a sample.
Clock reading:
11,02
